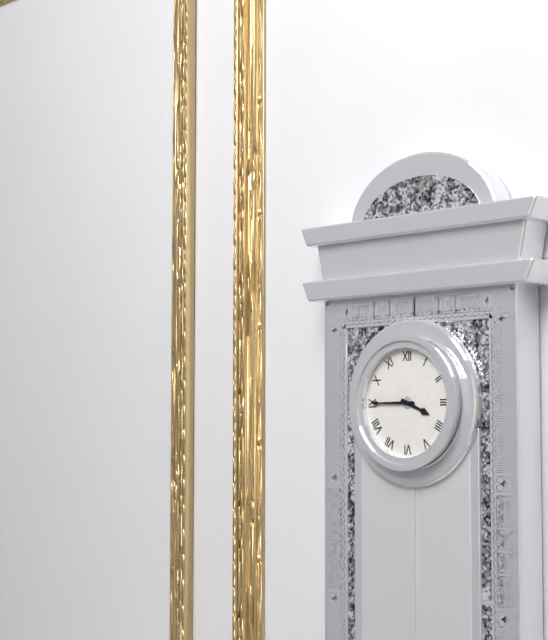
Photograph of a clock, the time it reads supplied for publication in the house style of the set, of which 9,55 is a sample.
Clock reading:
3,45
